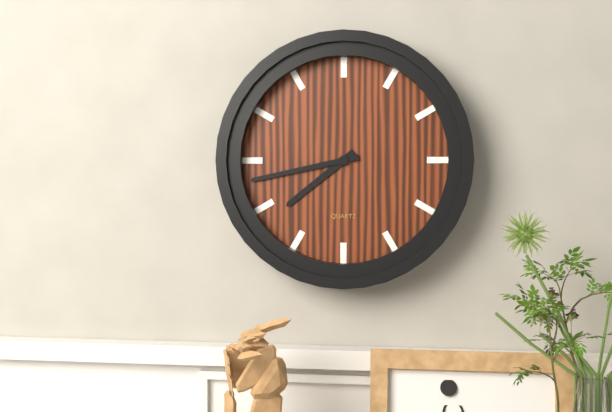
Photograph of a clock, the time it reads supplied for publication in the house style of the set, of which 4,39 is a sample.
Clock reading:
7,43
